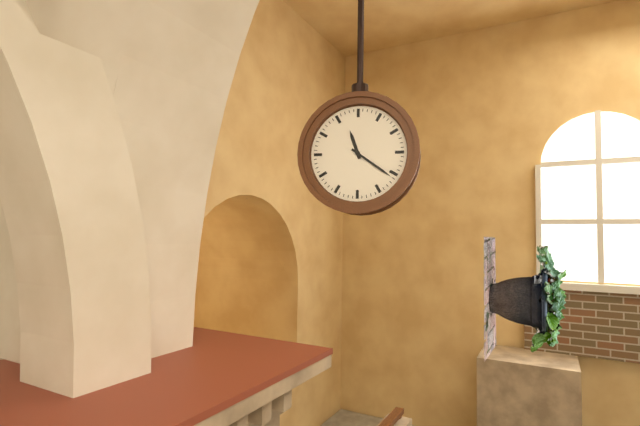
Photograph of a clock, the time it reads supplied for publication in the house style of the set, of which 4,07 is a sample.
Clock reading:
11,21
